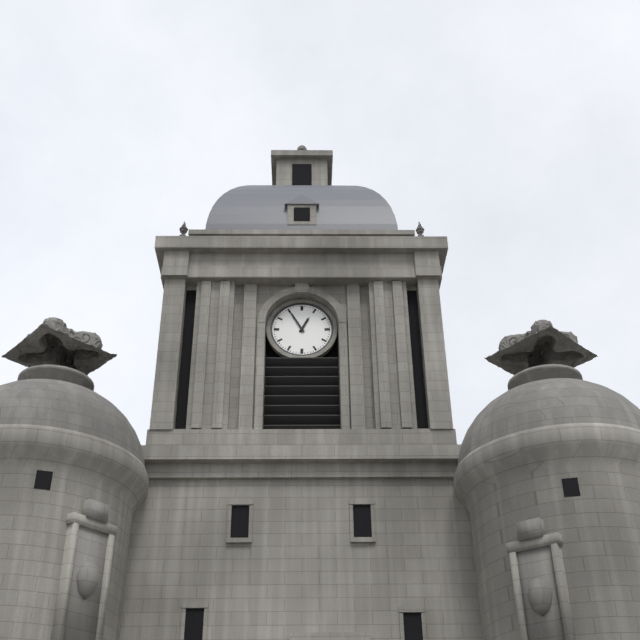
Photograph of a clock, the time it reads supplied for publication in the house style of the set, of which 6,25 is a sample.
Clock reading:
12,55
